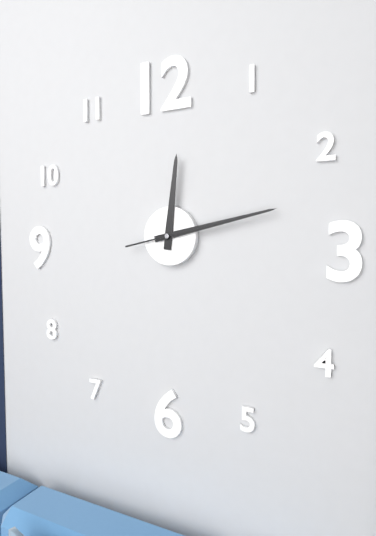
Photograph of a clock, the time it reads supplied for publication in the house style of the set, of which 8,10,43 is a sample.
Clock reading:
12,13,13
